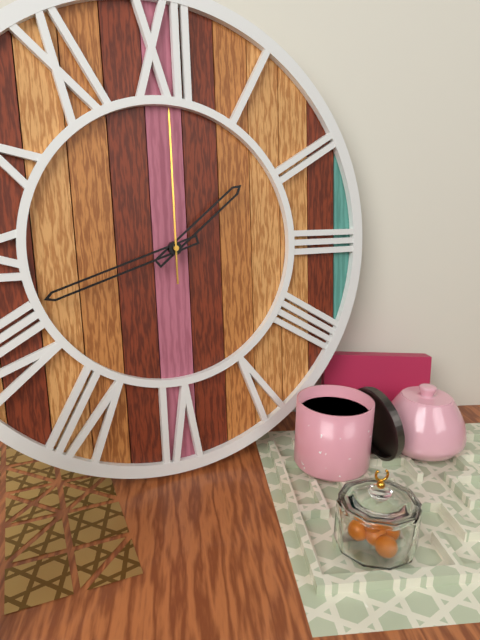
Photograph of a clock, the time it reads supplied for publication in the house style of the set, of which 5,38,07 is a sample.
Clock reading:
1,42,00
